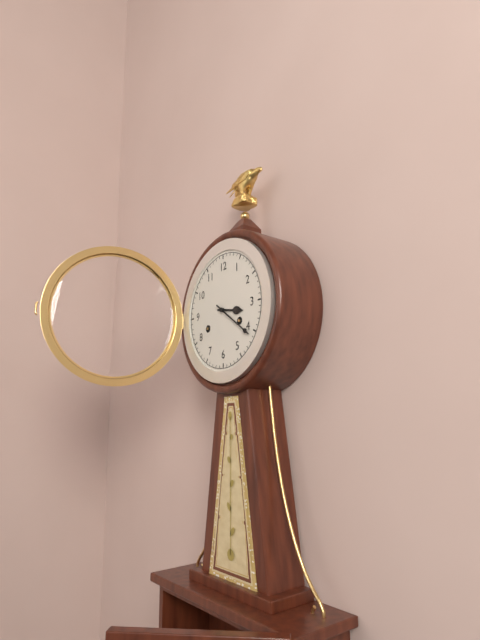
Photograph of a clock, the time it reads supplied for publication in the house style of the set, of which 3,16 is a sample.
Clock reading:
3,21
